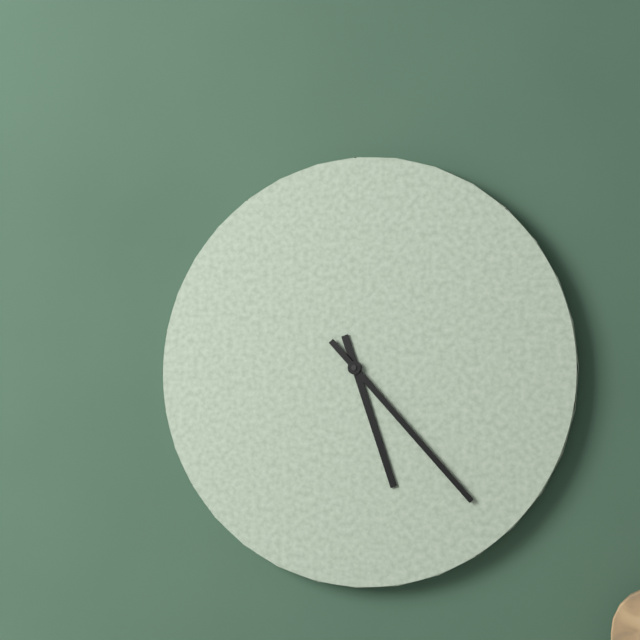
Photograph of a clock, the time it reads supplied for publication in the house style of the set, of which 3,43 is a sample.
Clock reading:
5,23
